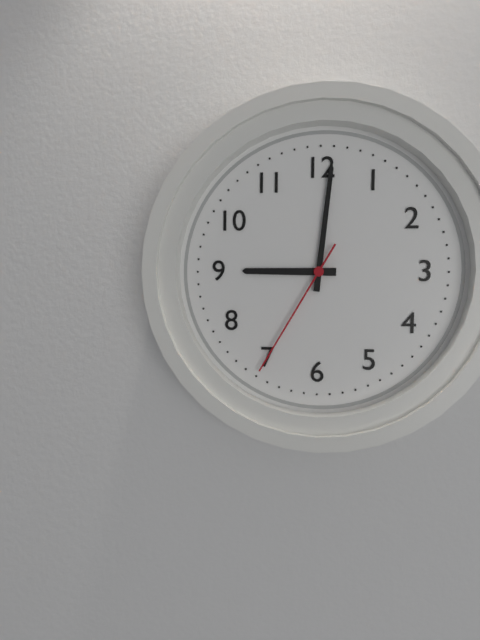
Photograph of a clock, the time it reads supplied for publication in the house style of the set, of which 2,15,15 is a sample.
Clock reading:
9,01,35
